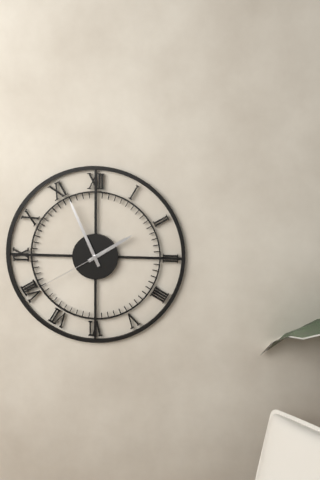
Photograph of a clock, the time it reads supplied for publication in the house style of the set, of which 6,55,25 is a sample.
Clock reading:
1,56,40
